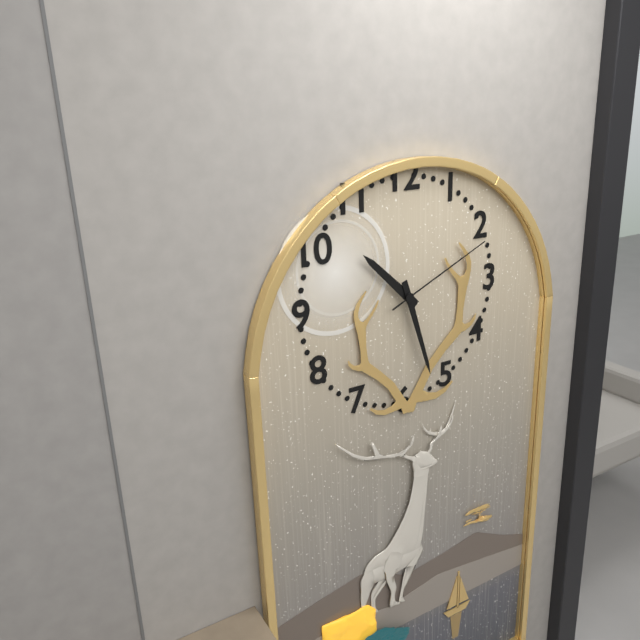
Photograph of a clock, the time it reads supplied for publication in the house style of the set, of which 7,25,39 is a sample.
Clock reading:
10,27,11
